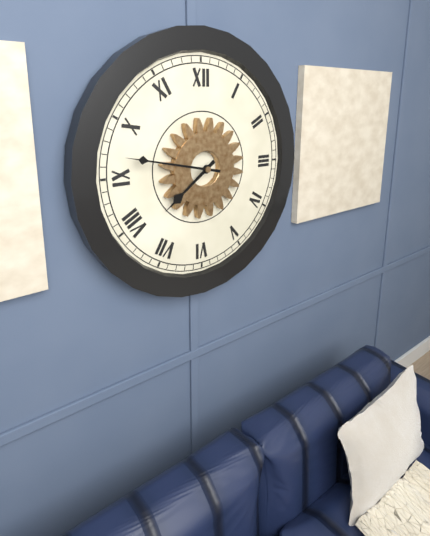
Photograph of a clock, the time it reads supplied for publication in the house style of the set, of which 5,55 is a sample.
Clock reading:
7,47
